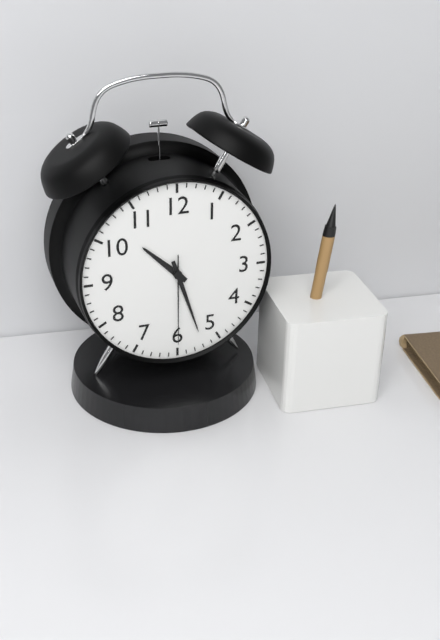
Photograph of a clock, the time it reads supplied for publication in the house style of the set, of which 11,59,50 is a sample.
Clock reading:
10,27,30
